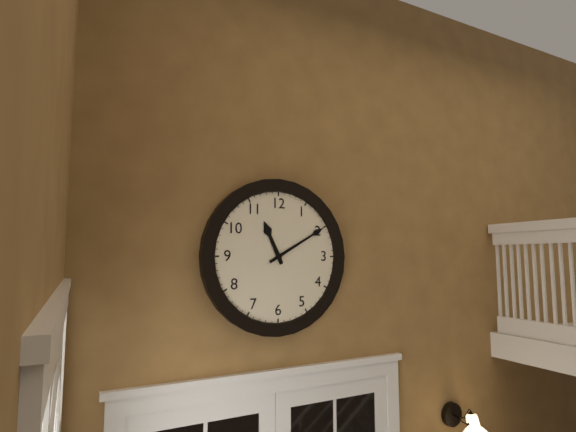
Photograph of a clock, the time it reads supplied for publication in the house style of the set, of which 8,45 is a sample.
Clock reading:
11,10
